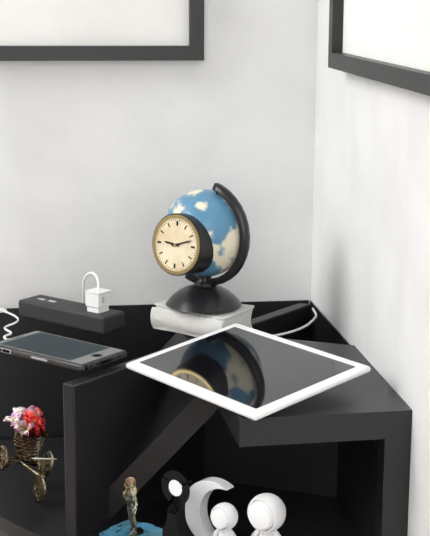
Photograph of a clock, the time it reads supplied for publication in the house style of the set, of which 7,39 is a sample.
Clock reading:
9,12
